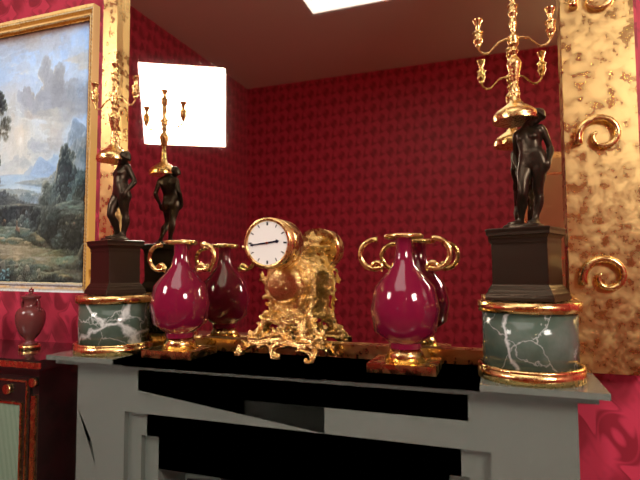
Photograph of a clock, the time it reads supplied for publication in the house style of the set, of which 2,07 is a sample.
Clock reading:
2,44
